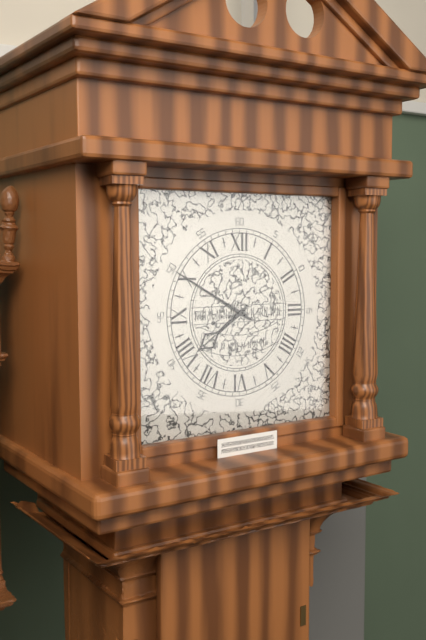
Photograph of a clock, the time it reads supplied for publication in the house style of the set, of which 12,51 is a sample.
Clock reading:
7,50
